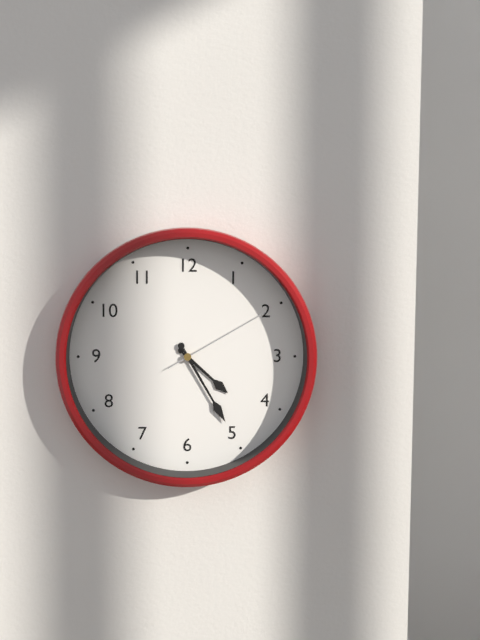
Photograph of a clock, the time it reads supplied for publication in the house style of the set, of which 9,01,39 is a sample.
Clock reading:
4,25,10
